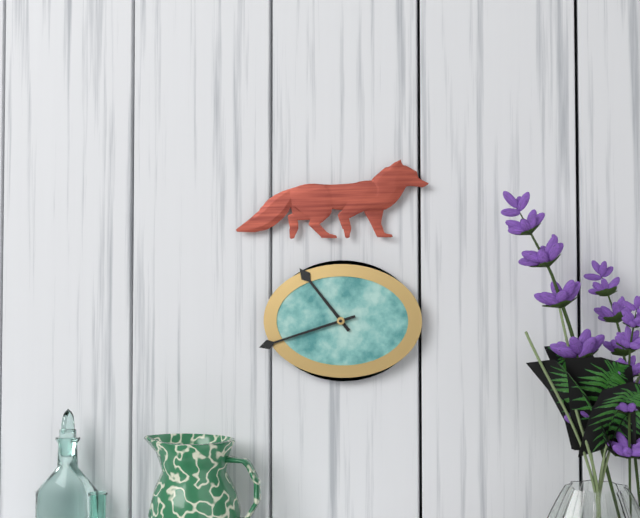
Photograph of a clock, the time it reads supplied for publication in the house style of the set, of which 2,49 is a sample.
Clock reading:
10,42
